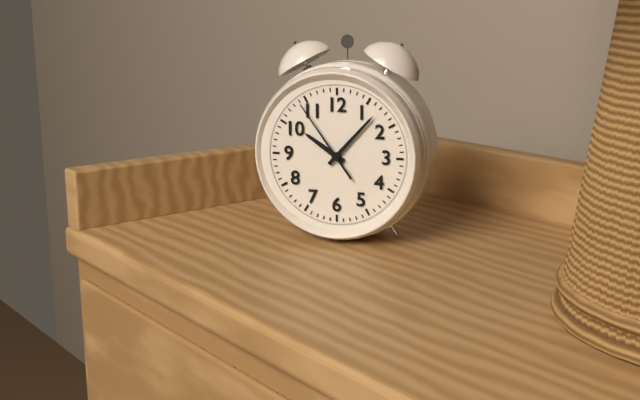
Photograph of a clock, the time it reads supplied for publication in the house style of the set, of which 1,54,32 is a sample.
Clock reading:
10,07,54
